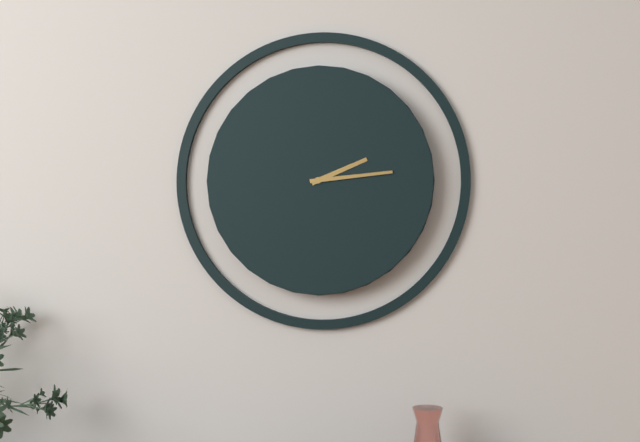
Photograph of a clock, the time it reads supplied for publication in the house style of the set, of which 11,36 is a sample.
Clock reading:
2,14
